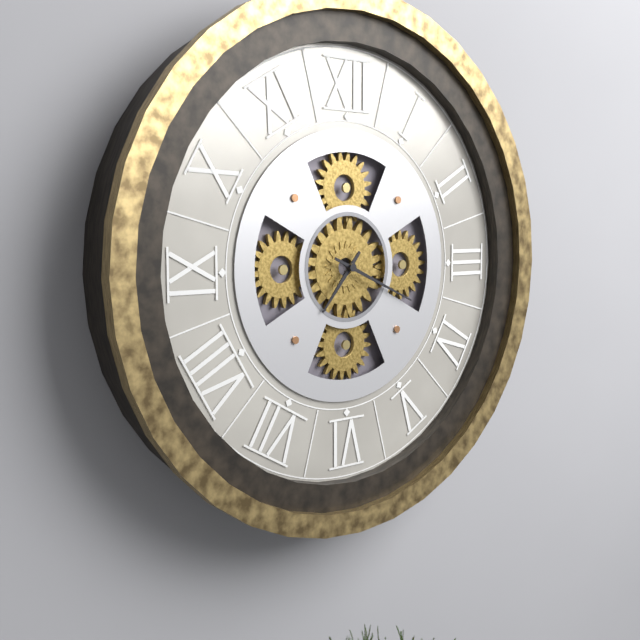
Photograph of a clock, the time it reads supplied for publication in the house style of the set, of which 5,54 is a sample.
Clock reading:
7,19
